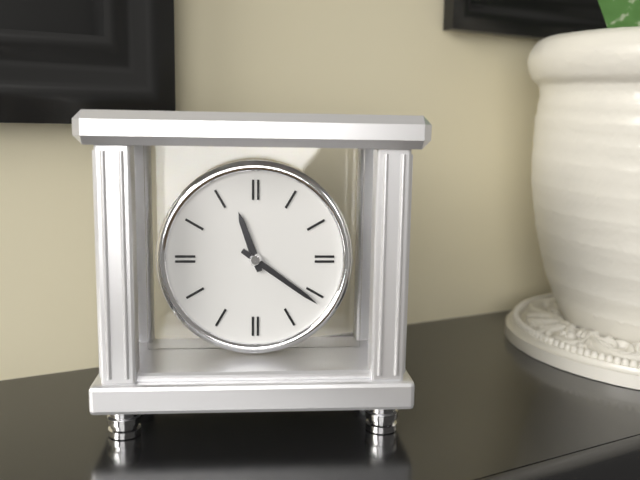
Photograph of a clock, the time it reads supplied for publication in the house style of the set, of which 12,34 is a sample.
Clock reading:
11,21
